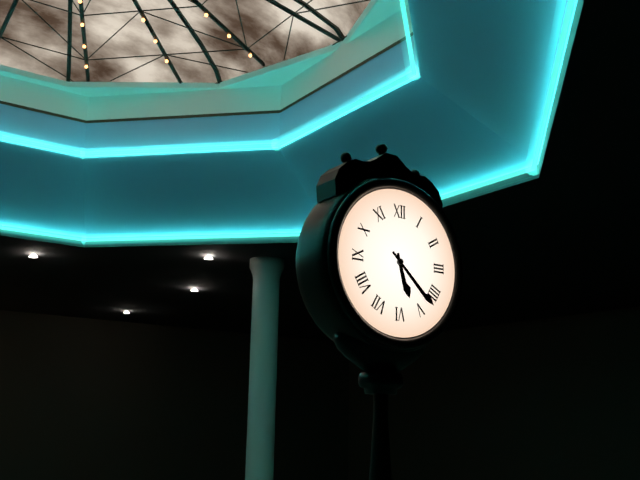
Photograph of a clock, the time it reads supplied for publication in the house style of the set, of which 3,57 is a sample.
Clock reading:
5,22
